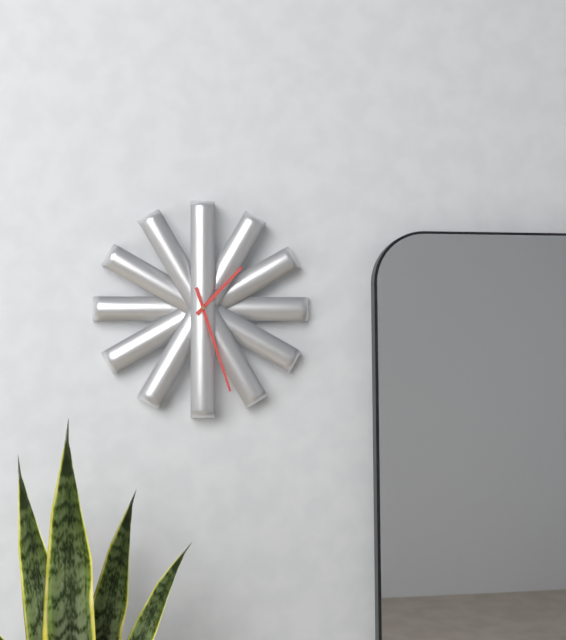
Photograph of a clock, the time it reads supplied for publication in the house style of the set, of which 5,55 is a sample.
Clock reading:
1,27
